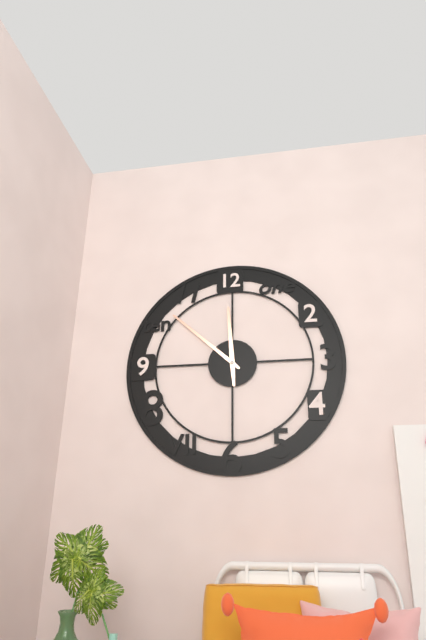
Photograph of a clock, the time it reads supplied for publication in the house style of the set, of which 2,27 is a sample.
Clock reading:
11,52
